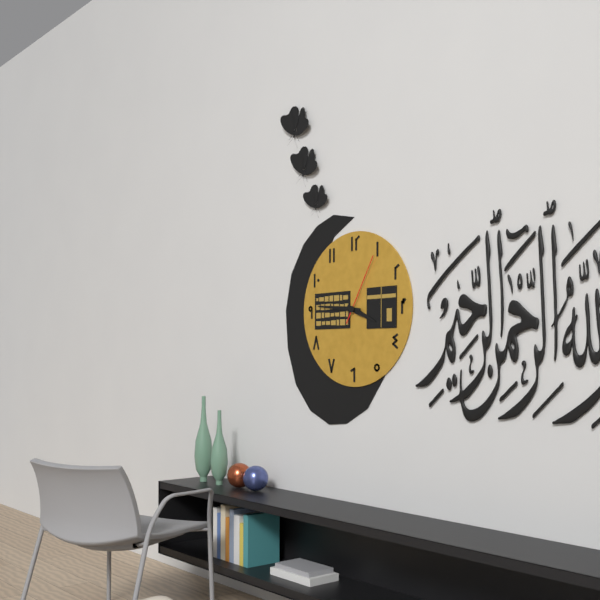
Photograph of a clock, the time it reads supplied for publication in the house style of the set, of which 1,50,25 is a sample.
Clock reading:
3,46,05
